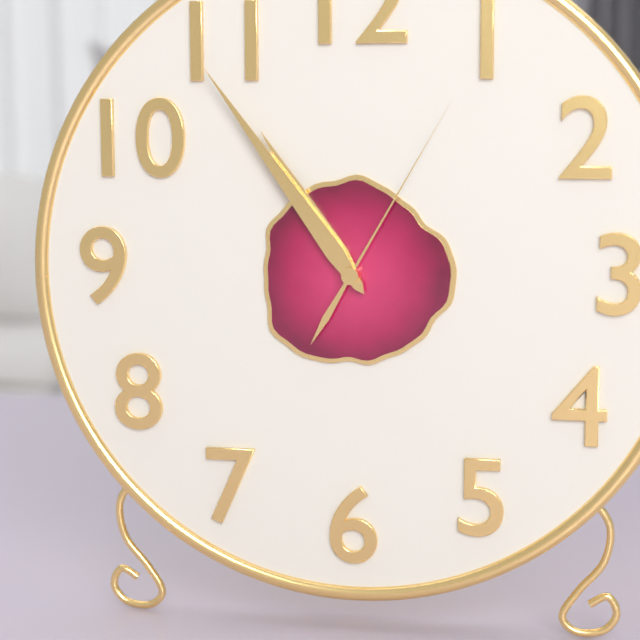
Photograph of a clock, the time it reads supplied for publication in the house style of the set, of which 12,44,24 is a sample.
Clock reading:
10,54,05
